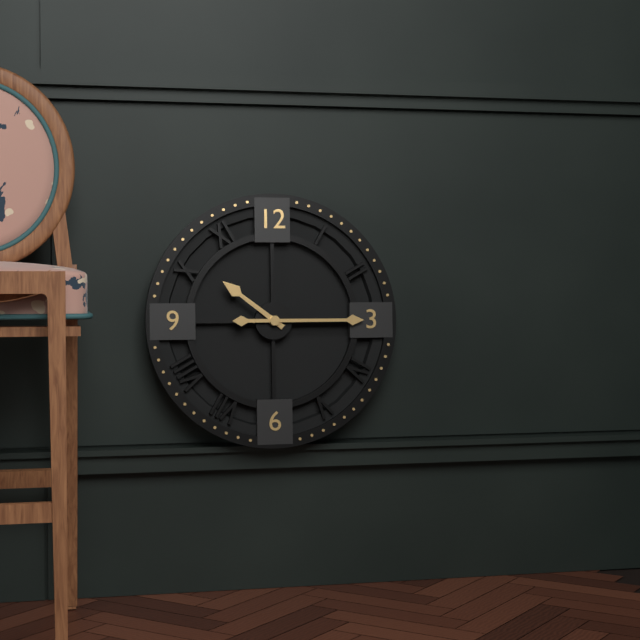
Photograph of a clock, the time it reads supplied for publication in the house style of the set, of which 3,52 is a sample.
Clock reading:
10,15
